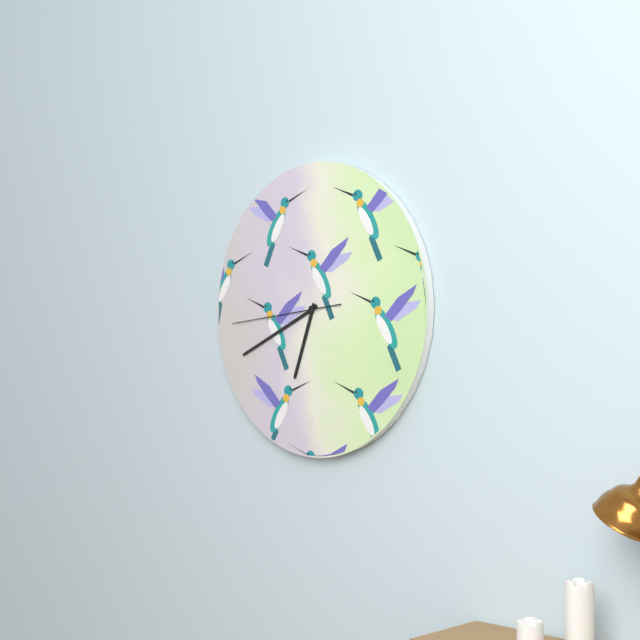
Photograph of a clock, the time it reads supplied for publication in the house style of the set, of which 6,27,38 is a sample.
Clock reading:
6,41,44
